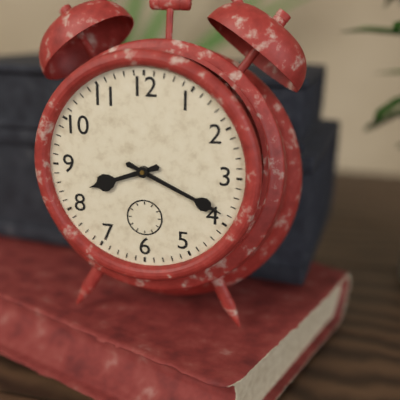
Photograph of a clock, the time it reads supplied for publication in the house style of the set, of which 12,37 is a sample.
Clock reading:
8,19
